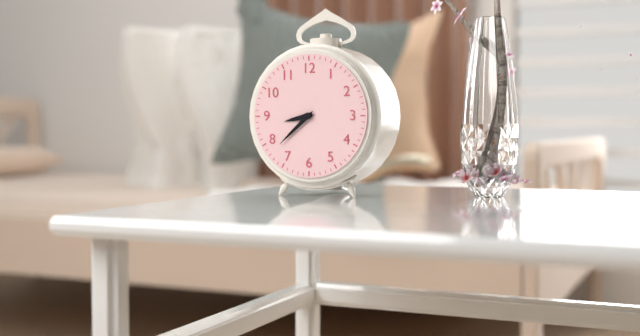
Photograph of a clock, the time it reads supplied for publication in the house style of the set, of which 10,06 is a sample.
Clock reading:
8,38
